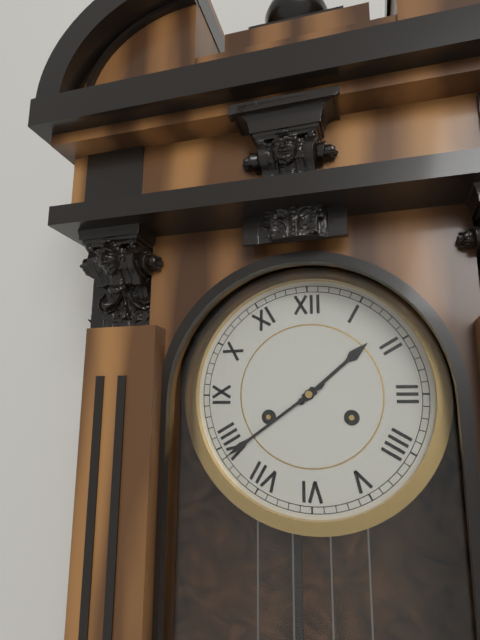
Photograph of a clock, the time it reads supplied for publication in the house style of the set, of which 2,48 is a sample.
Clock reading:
1,39
